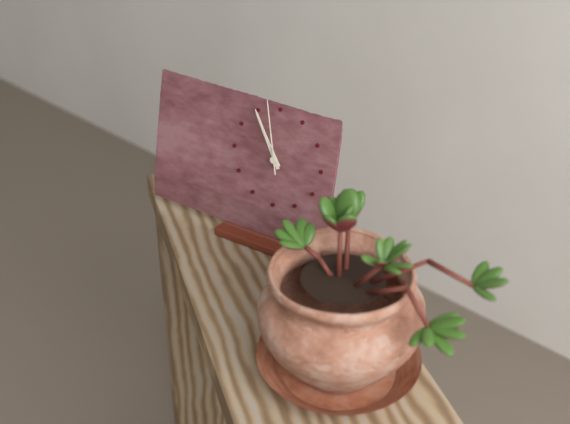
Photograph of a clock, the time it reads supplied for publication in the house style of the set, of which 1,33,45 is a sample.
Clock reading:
10,55,58
